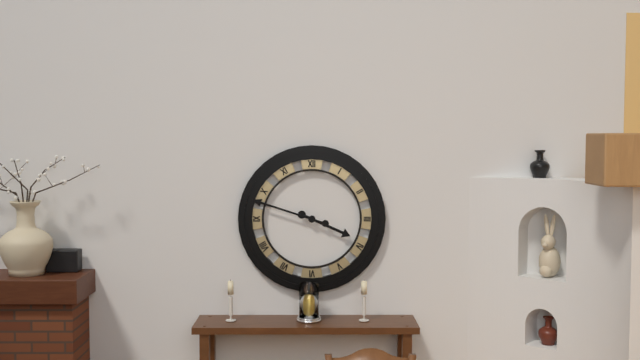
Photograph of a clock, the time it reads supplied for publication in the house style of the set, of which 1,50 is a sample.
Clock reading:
3,48
